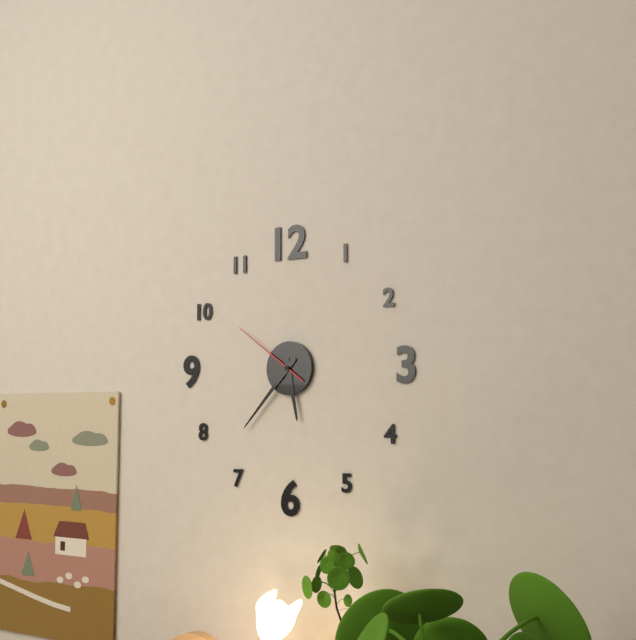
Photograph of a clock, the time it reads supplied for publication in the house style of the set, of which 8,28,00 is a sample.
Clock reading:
5,37,51
